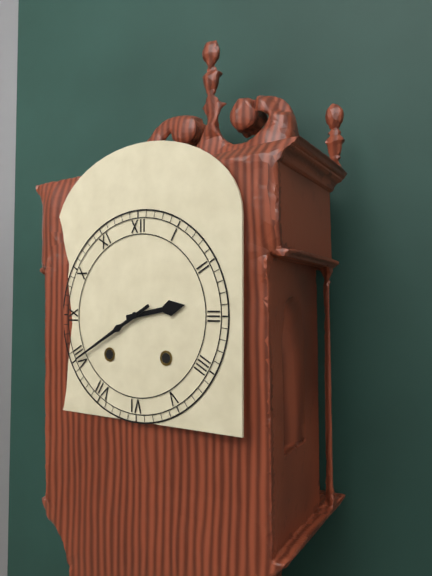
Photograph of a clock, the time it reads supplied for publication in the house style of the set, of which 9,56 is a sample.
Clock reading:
2,40
